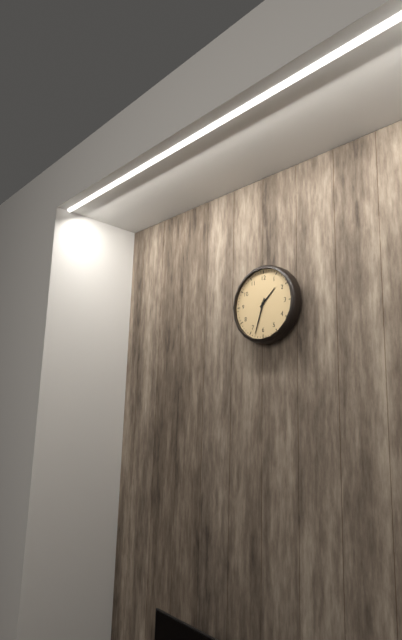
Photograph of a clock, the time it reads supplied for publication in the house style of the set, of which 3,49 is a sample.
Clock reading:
1,33
